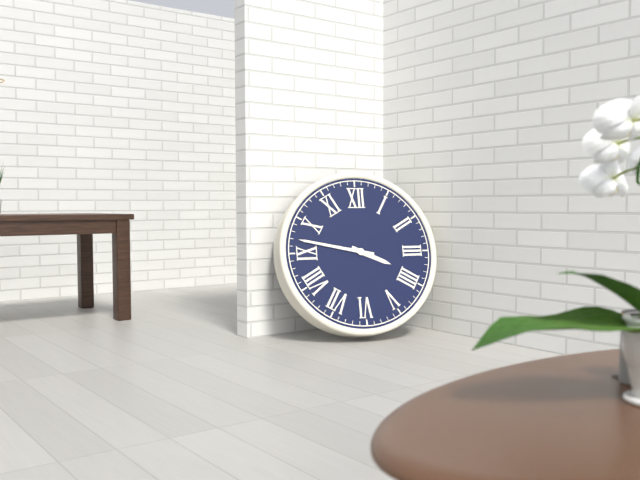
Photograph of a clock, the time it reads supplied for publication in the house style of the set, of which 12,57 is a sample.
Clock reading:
3,47
